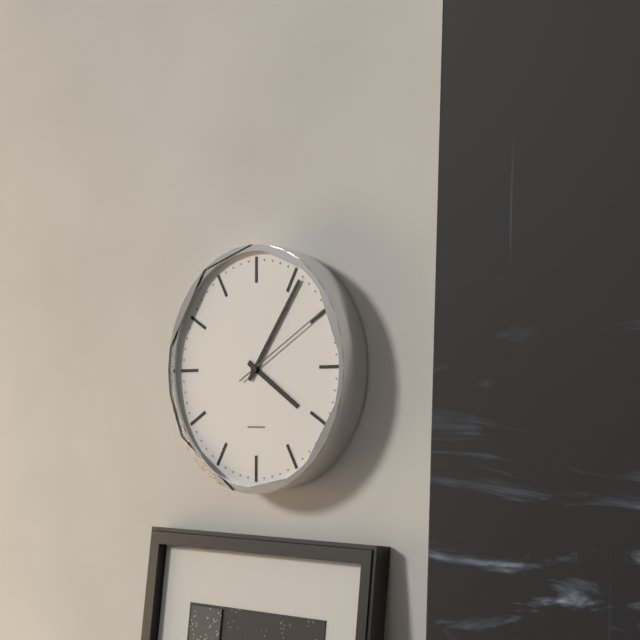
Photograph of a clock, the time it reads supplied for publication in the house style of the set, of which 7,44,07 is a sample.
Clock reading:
4,06,10
